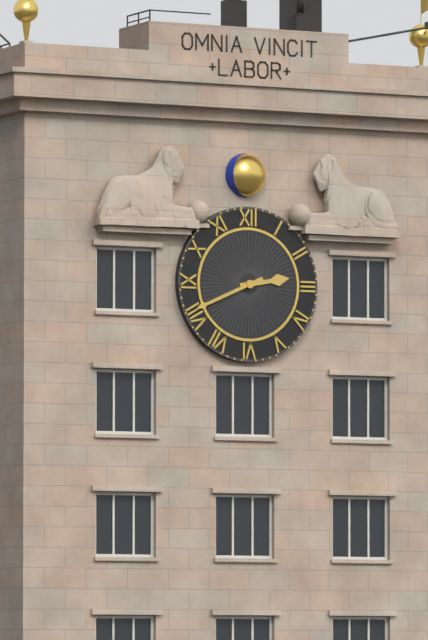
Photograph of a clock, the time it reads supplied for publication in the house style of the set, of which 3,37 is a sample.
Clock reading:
2,41
